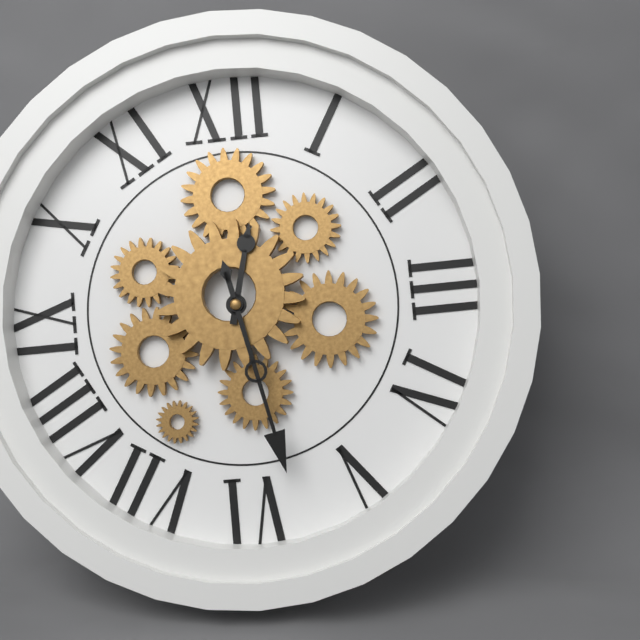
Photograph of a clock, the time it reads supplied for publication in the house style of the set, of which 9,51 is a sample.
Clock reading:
12,28
